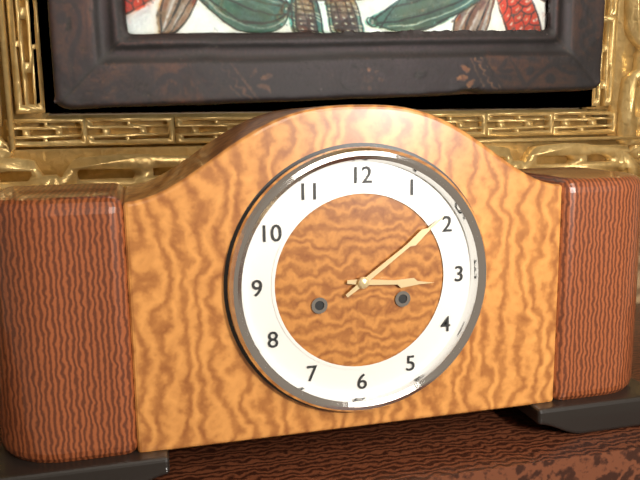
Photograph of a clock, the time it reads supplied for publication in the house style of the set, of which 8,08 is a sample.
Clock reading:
3,09
